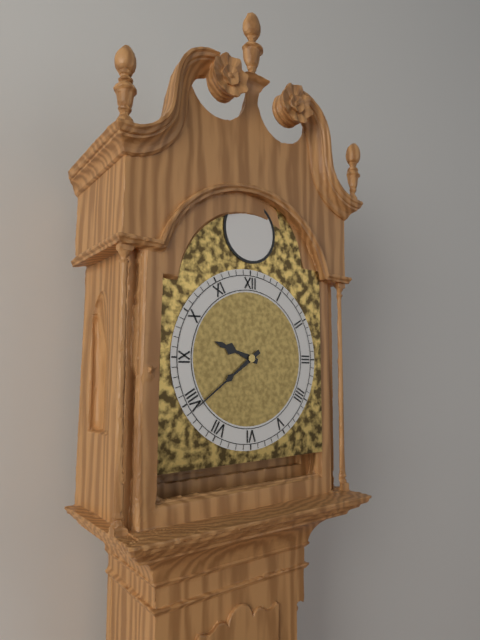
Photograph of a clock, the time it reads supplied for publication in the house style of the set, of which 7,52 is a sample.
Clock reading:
9,39
